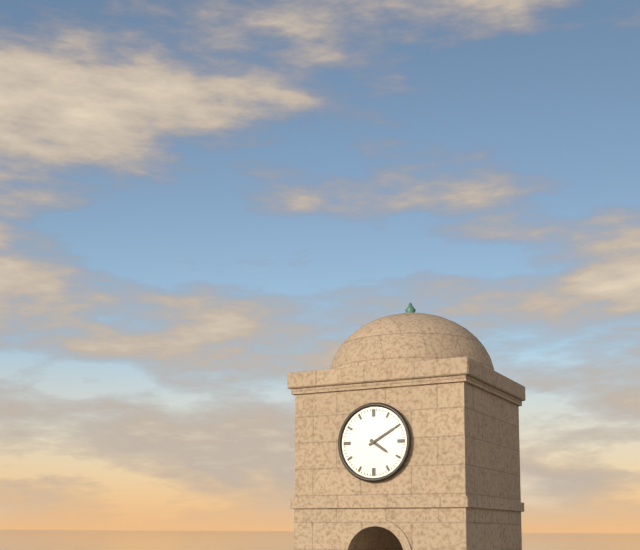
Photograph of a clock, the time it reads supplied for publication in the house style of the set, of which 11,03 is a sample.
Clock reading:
4,10
